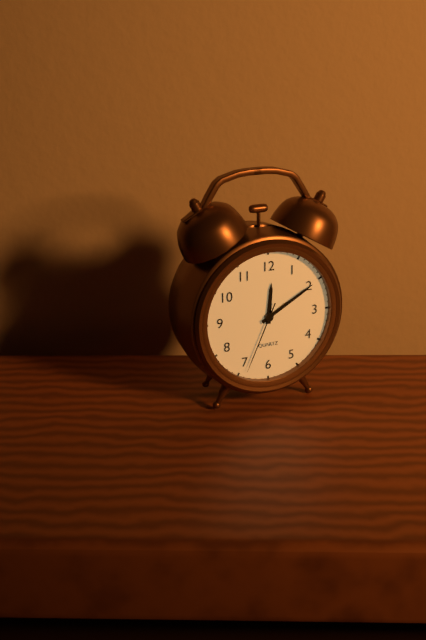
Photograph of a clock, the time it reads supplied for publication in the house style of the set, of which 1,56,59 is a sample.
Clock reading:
12,10,34
